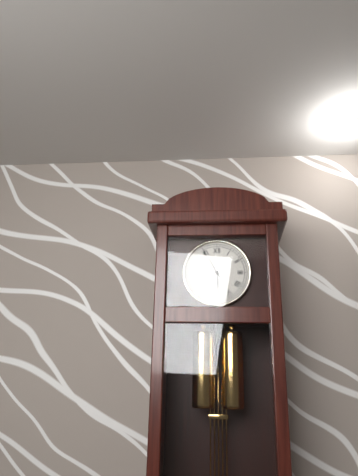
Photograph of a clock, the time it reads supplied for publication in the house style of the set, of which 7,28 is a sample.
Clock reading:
5,55
